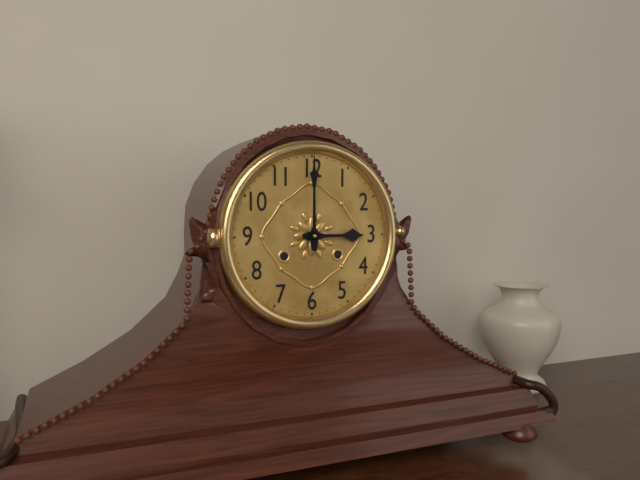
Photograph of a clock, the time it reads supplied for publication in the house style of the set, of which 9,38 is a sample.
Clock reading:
3,00
